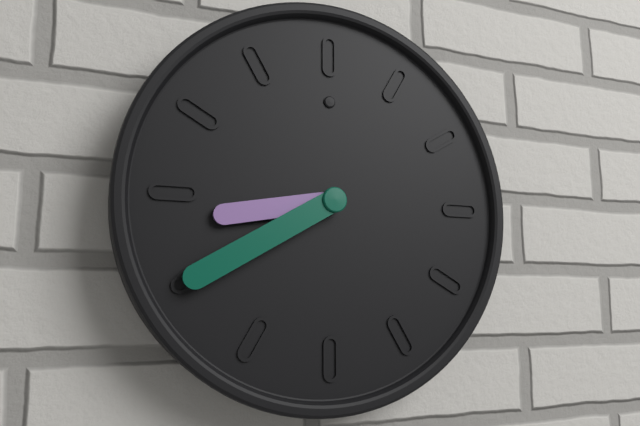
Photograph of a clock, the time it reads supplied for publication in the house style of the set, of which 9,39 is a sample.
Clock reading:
8,40
